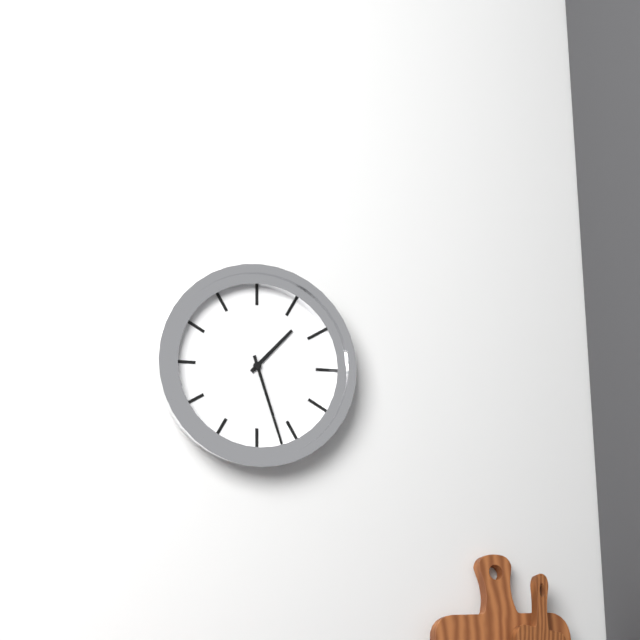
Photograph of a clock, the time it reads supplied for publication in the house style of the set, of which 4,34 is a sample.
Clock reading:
1,27
